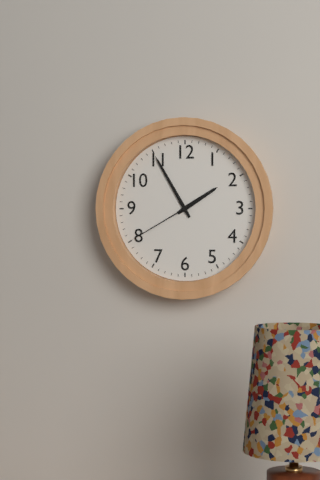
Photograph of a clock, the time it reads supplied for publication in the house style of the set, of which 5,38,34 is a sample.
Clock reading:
1,55,40
